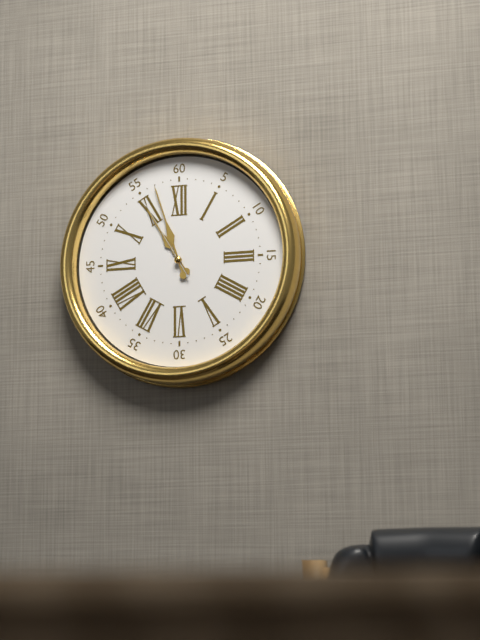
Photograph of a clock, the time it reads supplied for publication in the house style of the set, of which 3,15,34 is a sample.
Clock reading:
10,57,55
